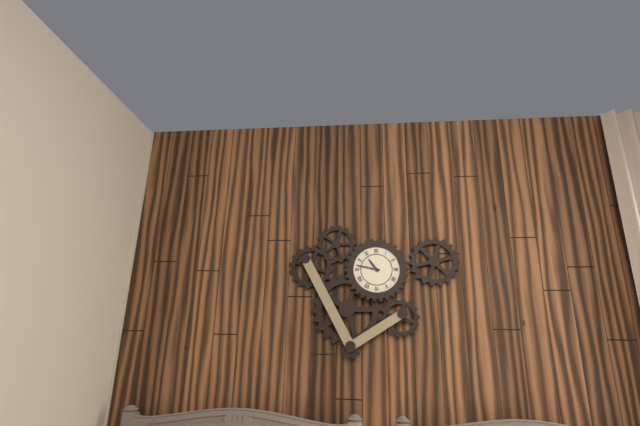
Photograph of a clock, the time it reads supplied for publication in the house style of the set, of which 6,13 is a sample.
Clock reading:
10,47
